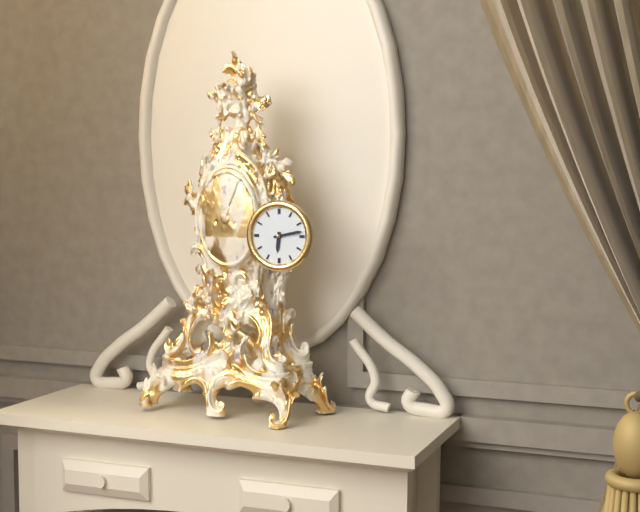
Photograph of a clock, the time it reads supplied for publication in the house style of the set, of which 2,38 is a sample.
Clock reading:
6,13
